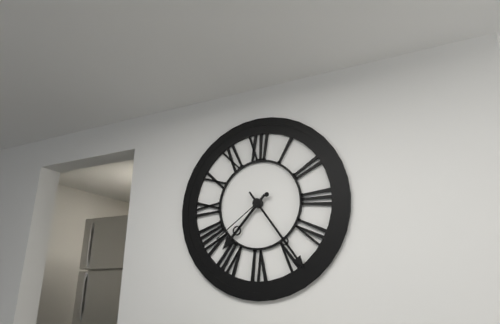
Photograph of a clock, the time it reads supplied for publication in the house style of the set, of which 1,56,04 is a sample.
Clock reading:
7,24,39
